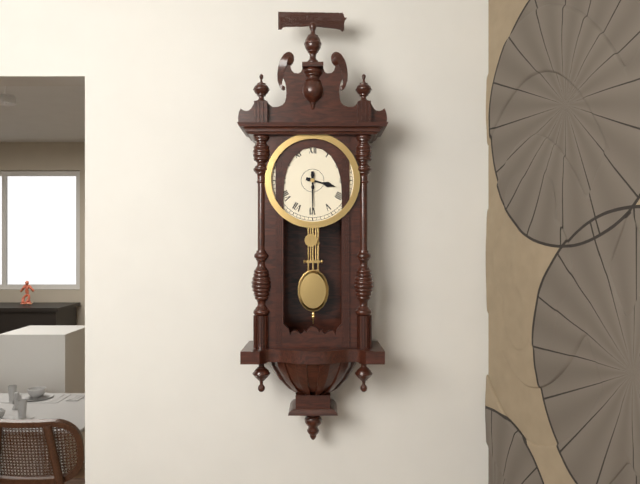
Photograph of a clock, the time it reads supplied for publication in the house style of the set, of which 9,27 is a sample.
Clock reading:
3,30
